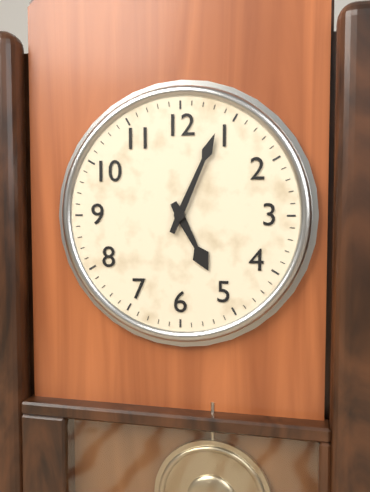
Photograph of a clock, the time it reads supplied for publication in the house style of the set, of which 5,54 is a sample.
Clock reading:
5,04
